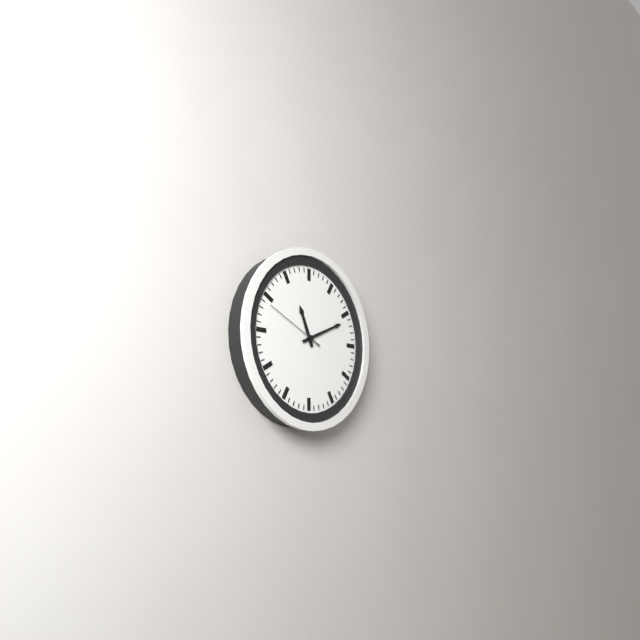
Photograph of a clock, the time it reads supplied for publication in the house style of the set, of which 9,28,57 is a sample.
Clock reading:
11,11,49
